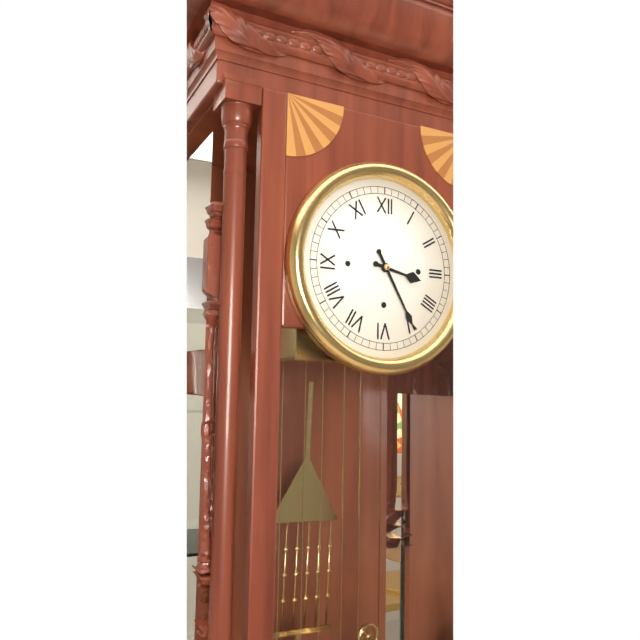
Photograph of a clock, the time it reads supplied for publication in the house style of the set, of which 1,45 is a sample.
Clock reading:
3,25
